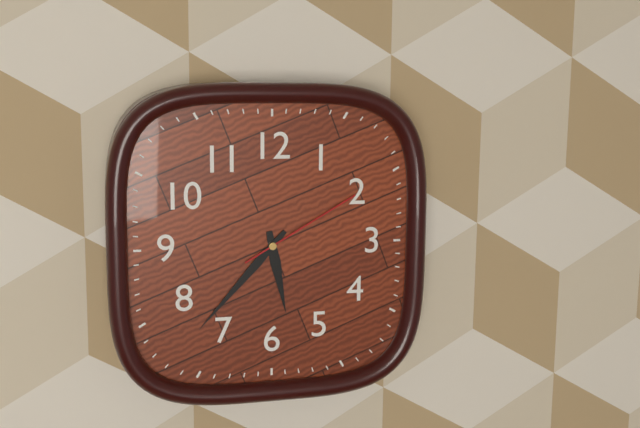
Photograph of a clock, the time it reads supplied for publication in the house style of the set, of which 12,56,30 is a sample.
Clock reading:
5,37,10
